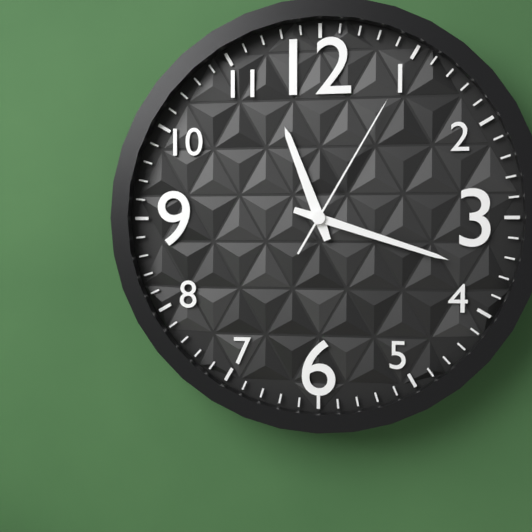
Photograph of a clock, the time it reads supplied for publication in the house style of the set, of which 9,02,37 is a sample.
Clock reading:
11,18,05
